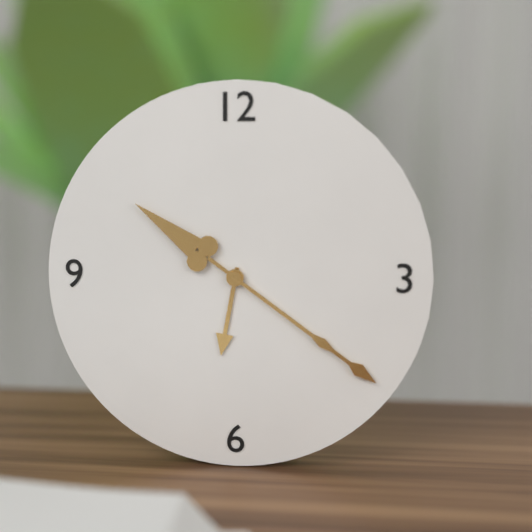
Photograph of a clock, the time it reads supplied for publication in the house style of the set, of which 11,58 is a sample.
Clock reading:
6,21
